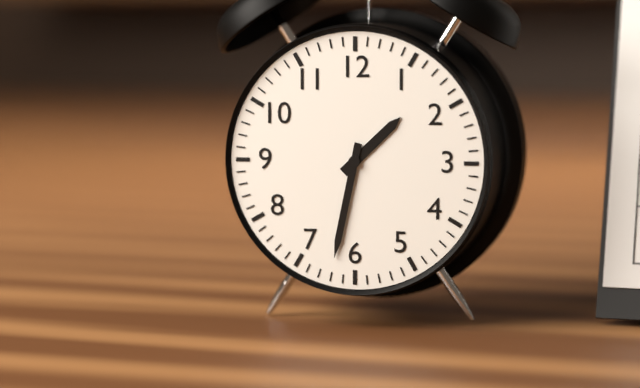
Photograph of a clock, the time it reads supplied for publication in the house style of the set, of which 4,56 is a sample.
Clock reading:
1,32
